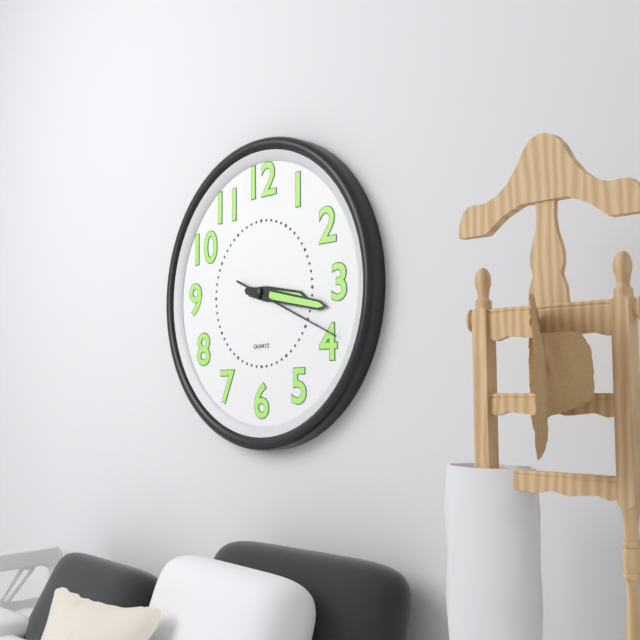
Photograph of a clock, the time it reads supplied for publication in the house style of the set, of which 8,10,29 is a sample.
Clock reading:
3,17,19
